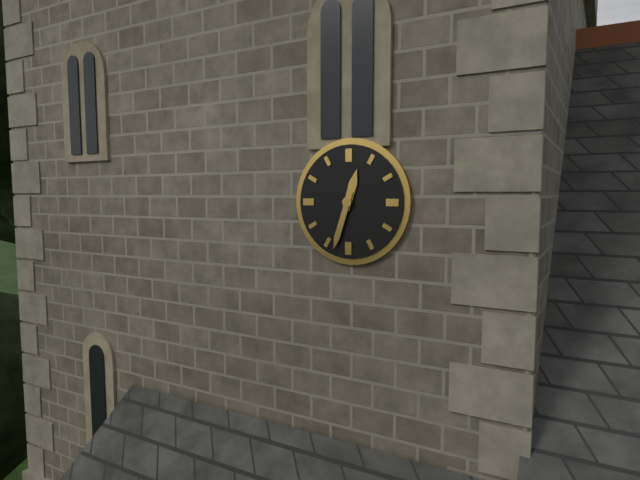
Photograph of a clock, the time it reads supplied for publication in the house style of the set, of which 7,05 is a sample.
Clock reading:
12,33
